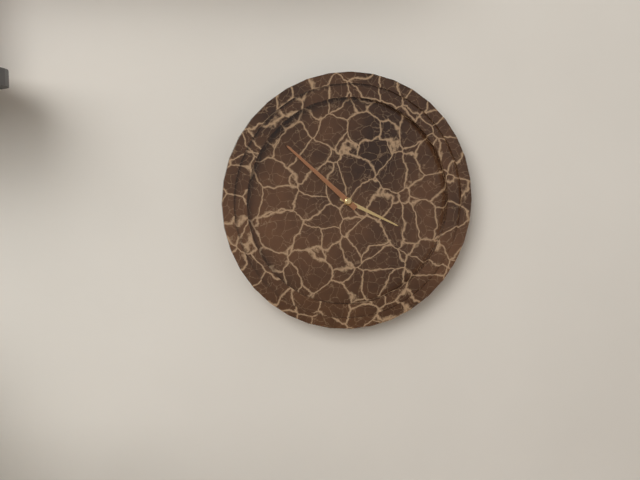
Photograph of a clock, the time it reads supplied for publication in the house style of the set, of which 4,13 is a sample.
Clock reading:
3,52
